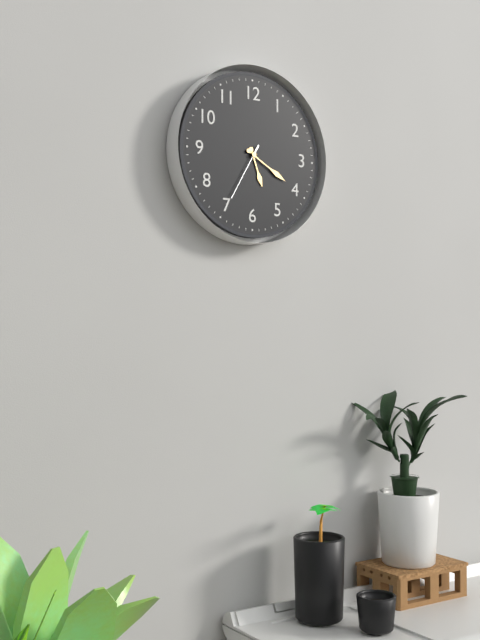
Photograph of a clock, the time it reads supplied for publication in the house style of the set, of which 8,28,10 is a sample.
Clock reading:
5,20,35
